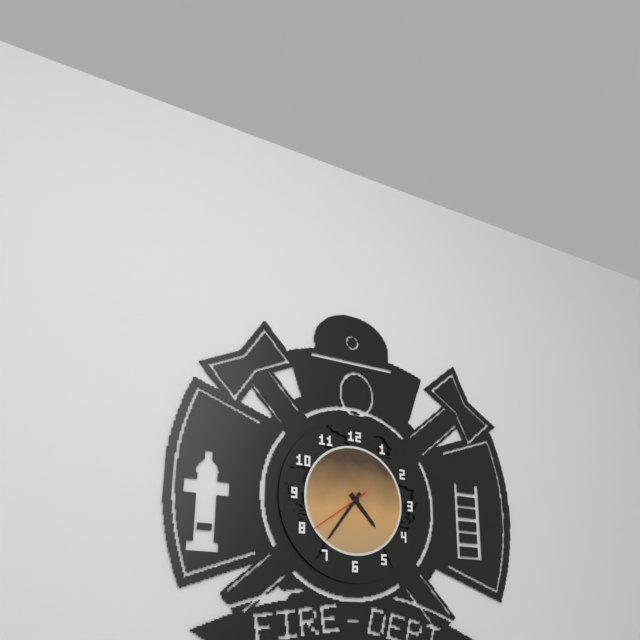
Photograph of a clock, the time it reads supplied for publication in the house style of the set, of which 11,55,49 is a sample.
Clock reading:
4,36,39
